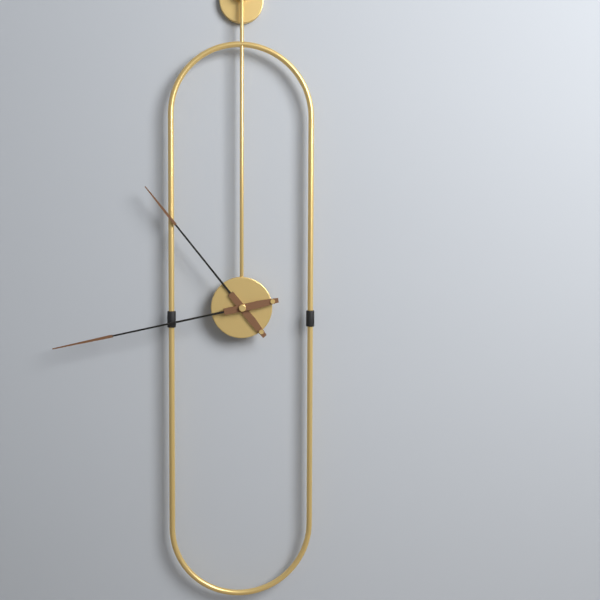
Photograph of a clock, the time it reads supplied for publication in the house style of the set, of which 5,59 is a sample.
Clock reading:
10,43
